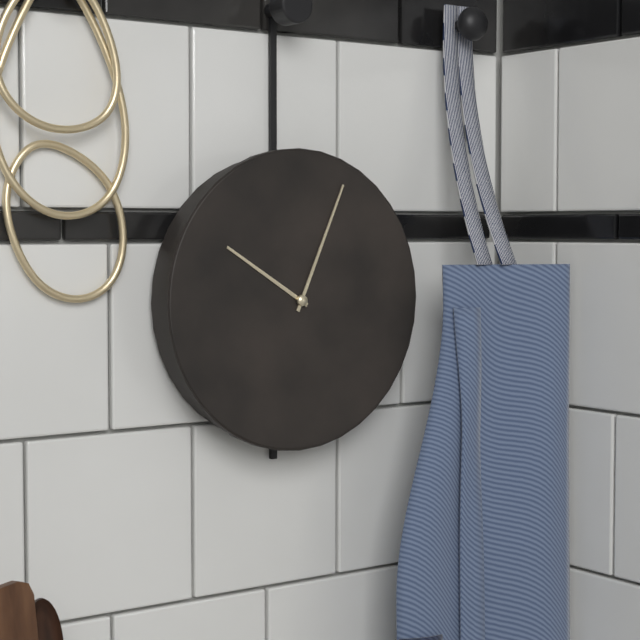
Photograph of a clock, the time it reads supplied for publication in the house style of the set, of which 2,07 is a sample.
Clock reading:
10,04
